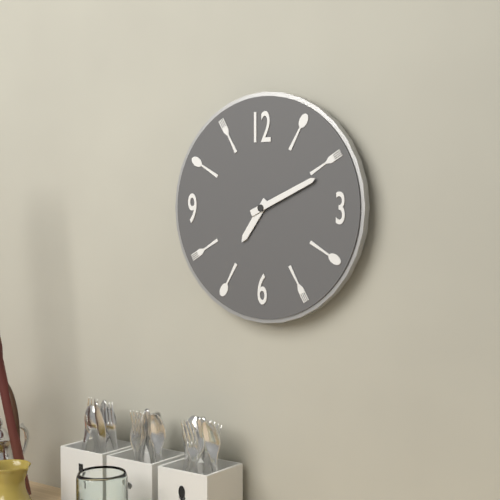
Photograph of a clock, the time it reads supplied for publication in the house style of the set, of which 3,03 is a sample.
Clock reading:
7,11
